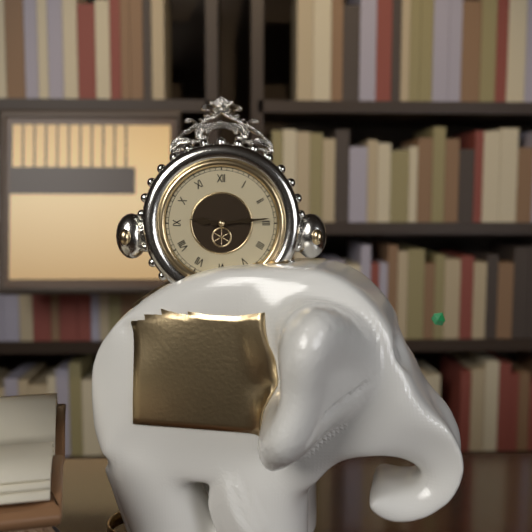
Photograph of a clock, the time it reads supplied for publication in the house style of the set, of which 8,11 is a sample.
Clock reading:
9,14
